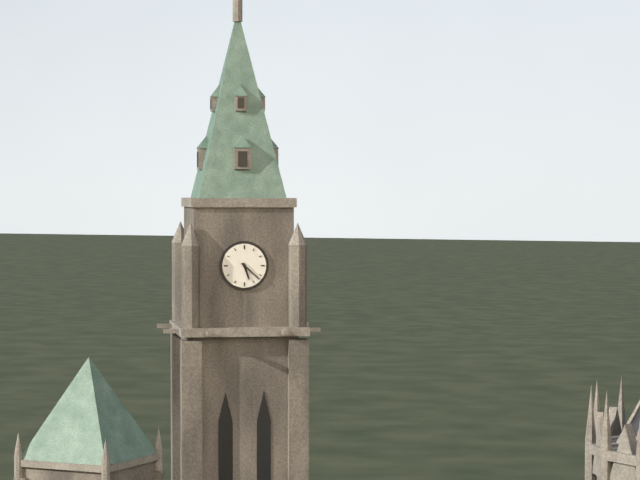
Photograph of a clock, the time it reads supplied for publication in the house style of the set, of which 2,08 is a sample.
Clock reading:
5,22
